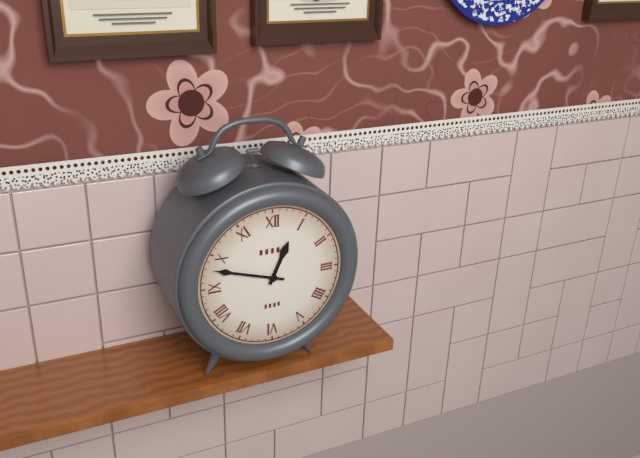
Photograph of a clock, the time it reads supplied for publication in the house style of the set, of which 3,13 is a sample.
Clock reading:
12,48
